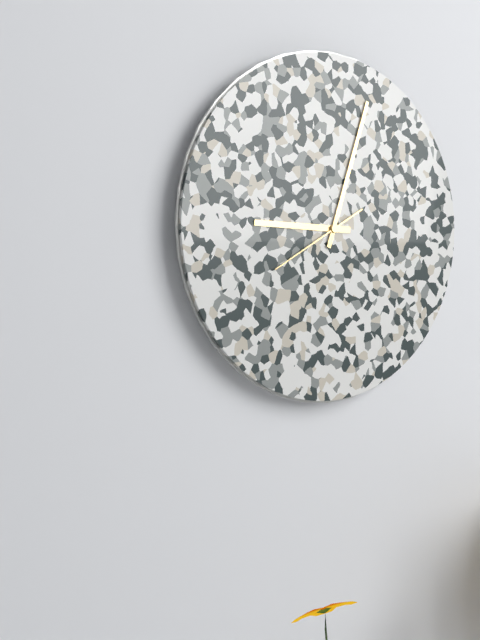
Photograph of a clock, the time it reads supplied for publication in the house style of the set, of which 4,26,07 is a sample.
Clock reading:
9,03,40
